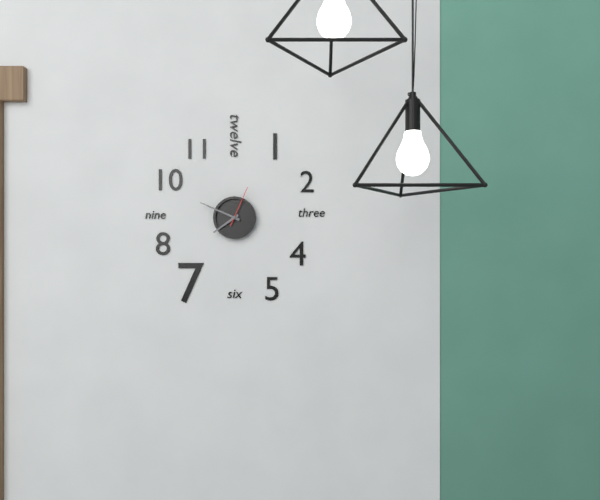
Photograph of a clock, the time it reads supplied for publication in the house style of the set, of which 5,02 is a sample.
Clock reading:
7,49
